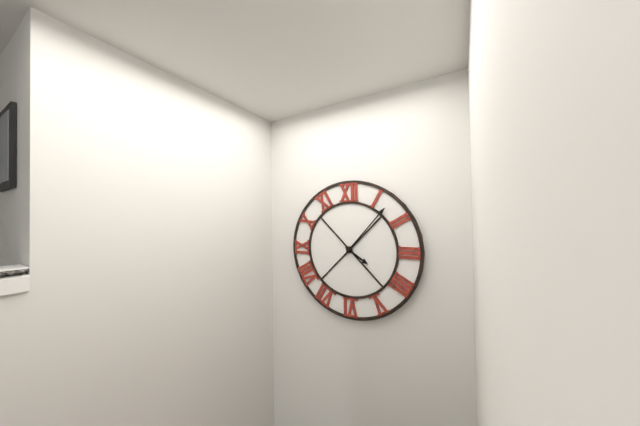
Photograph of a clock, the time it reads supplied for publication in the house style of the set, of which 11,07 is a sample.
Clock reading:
4,07
